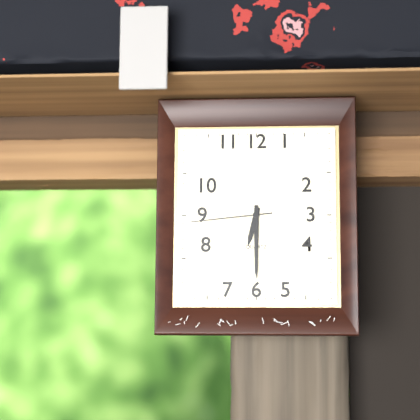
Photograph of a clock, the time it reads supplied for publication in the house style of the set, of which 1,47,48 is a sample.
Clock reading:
6,30,44
